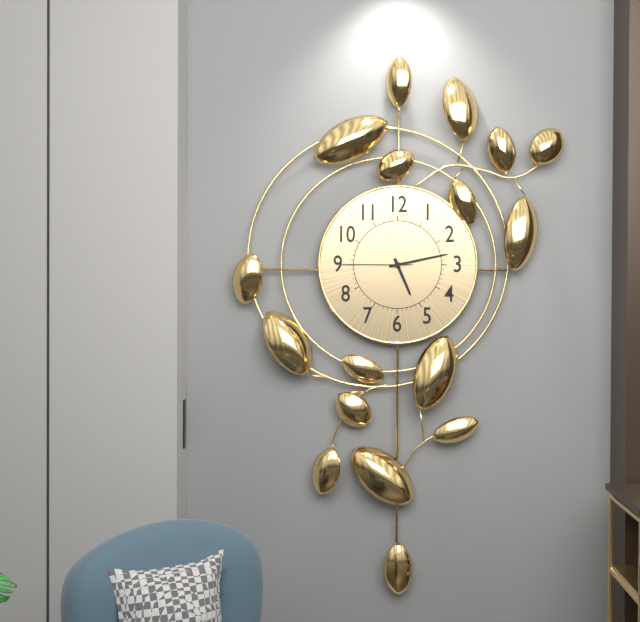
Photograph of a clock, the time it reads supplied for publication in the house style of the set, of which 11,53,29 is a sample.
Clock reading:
5,13,45
